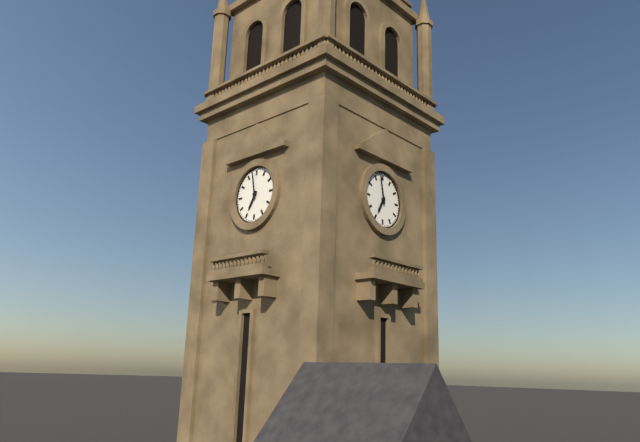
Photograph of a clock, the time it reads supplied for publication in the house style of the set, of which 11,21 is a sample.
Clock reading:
6,58
